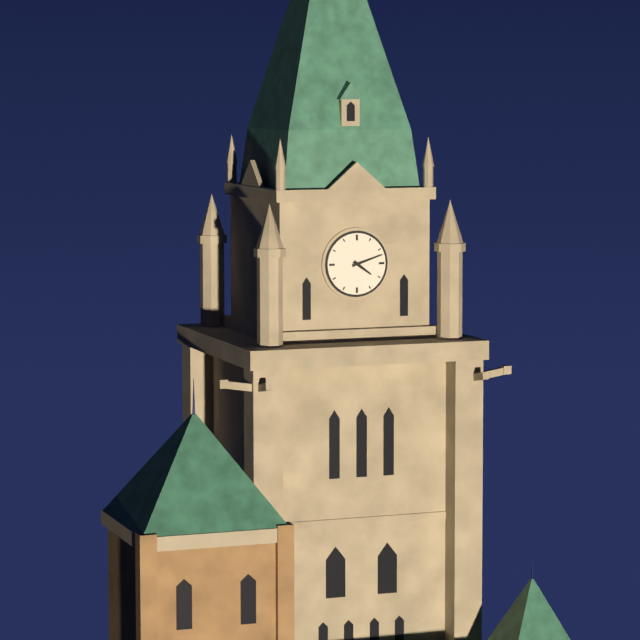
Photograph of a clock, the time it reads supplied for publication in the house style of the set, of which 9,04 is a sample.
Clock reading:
4,12
